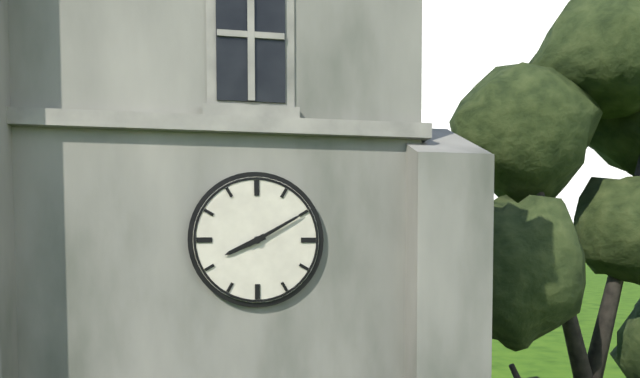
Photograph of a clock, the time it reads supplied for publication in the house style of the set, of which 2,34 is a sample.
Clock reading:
8,10
